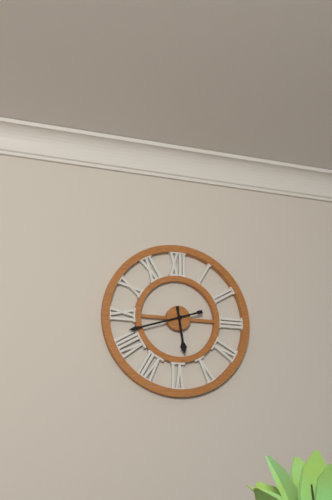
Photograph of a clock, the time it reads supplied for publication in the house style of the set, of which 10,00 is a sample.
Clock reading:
5,42
